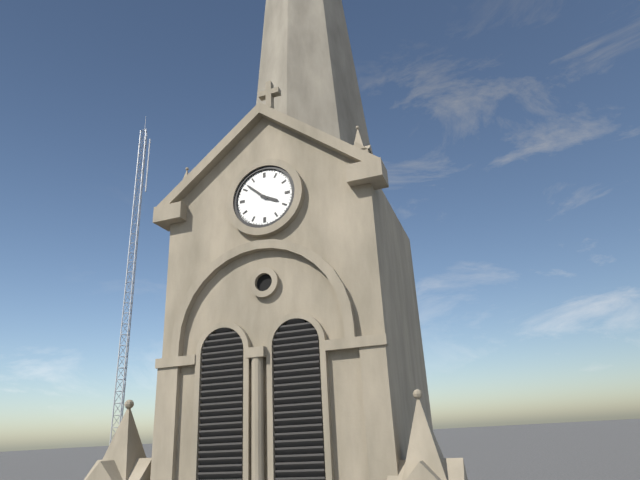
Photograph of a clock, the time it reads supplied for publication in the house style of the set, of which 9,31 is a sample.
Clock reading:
3,52
